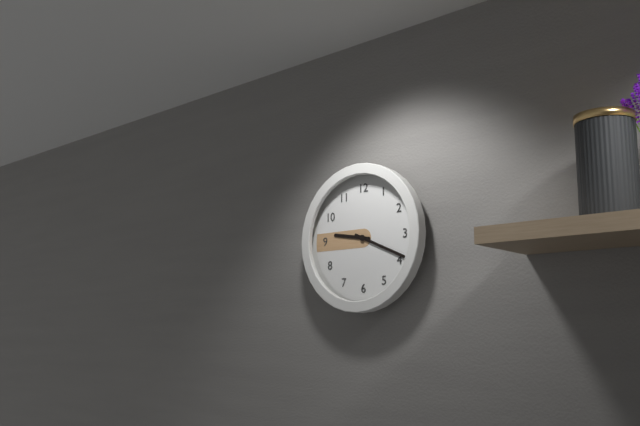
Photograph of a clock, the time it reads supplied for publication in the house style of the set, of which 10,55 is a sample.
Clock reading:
9,19
